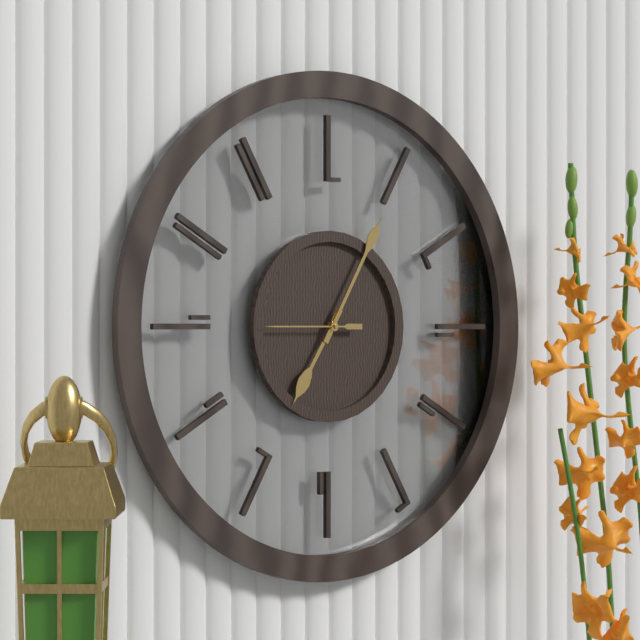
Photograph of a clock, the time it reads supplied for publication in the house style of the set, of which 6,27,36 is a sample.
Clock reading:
7,05,45
